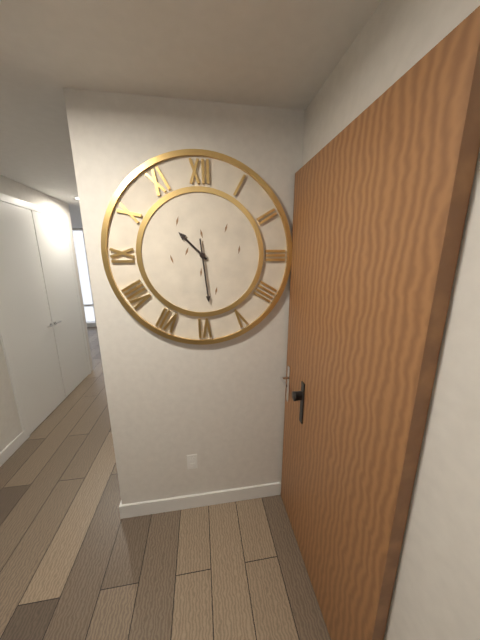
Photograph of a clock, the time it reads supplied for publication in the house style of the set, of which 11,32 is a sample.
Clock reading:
10,29
